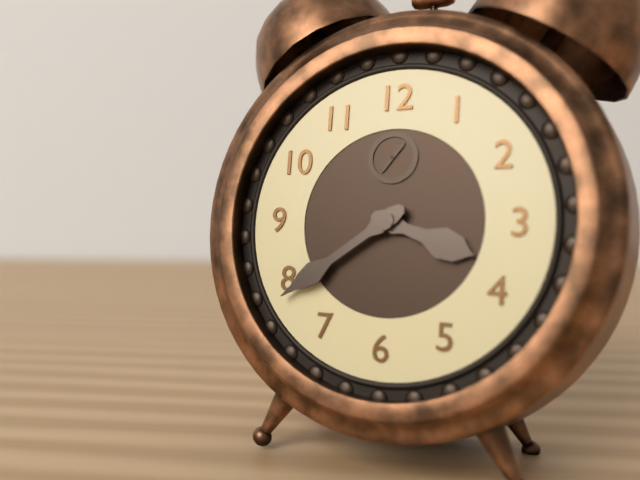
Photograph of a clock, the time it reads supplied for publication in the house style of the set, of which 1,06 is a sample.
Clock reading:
3,39
